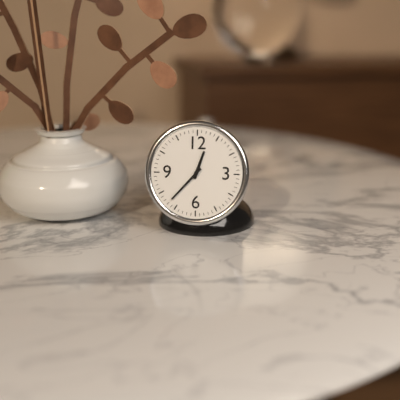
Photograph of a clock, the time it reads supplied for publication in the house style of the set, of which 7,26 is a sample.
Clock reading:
12,37
